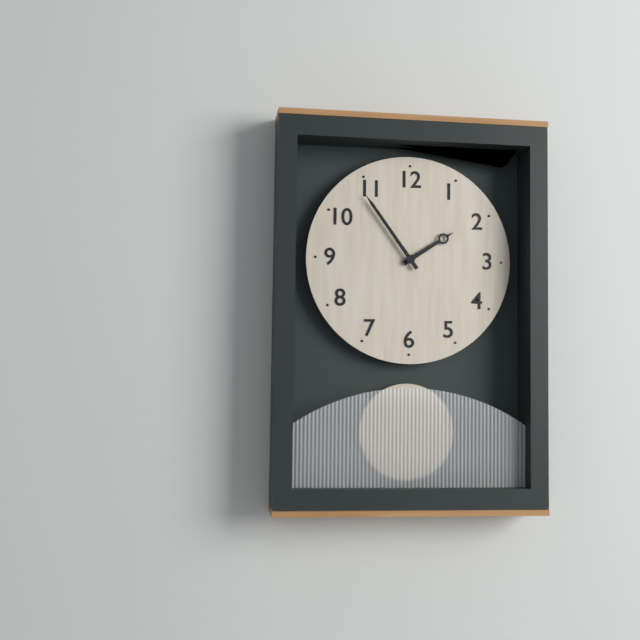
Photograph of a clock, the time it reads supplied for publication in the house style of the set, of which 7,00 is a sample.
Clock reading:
1,54
